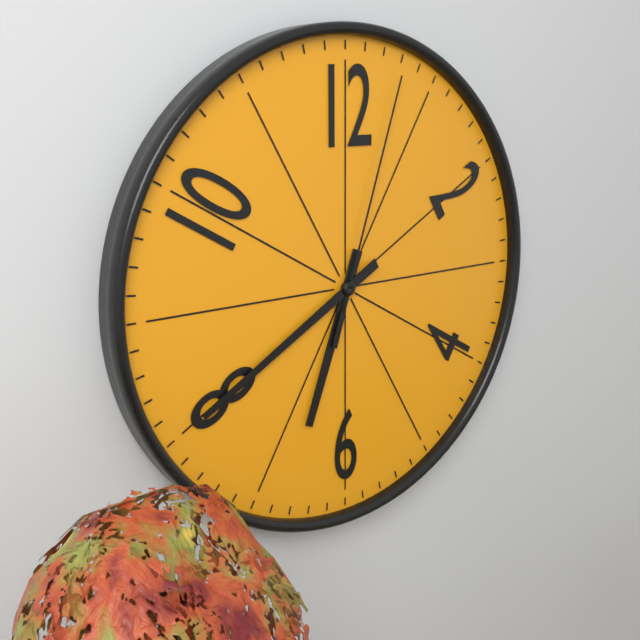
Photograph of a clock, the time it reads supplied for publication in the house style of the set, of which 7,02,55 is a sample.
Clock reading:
6,40,03
